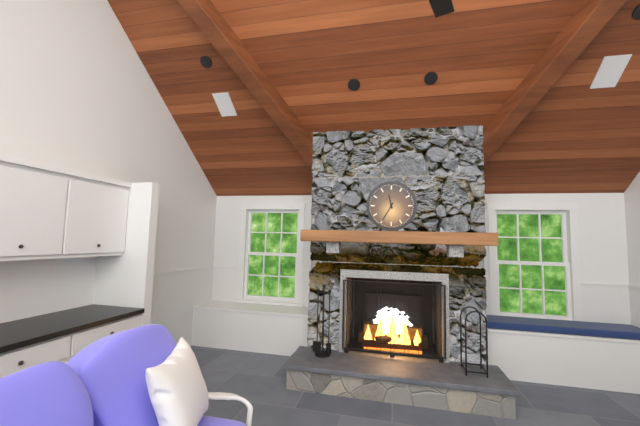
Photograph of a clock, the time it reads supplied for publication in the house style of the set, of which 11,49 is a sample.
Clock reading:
11,35
